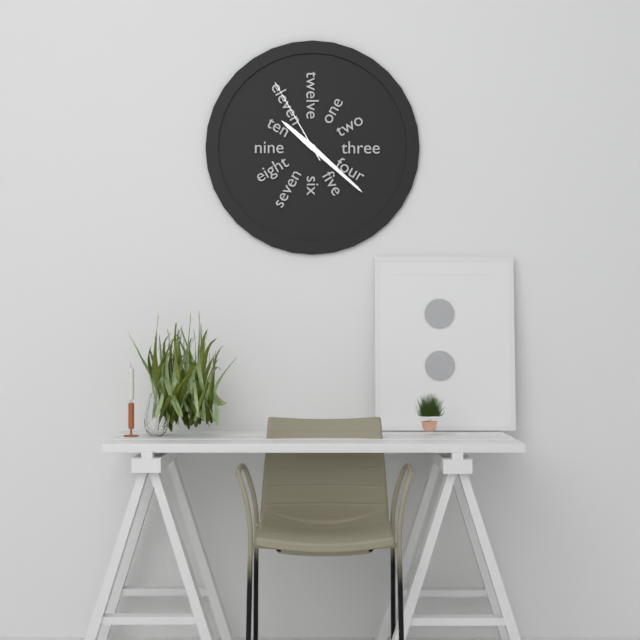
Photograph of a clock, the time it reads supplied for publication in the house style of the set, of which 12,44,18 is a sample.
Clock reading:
10,22,55
